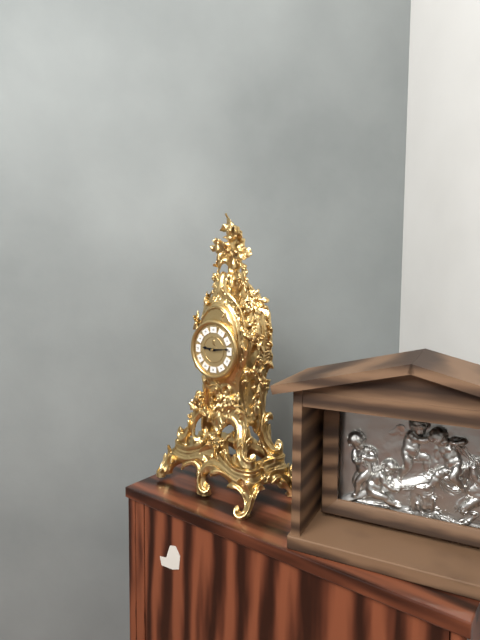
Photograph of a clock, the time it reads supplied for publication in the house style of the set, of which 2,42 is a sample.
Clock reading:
9,14
